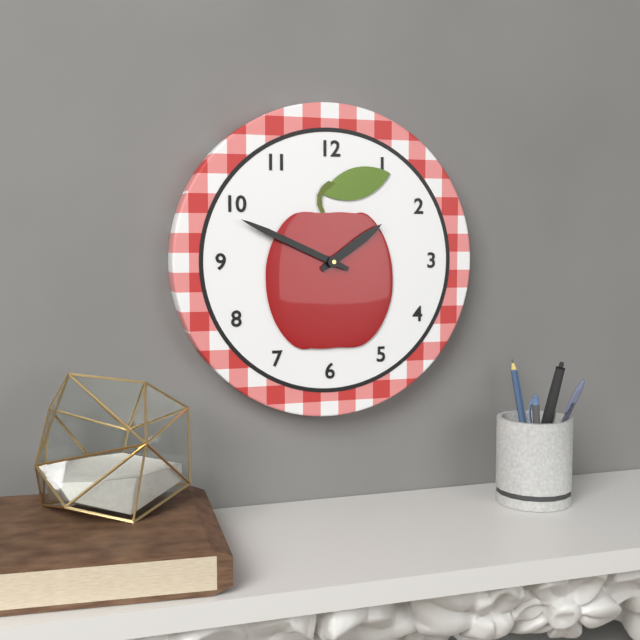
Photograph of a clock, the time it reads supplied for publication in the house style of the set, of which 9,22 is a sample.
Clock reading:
1,49
